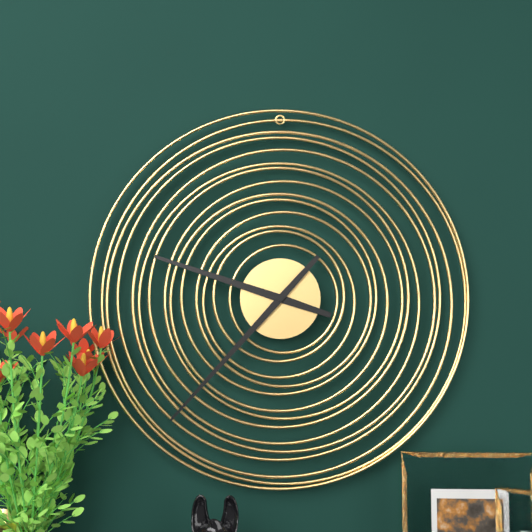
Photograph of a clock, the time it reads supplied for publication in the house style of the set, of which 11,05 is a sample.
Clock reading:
9,37
